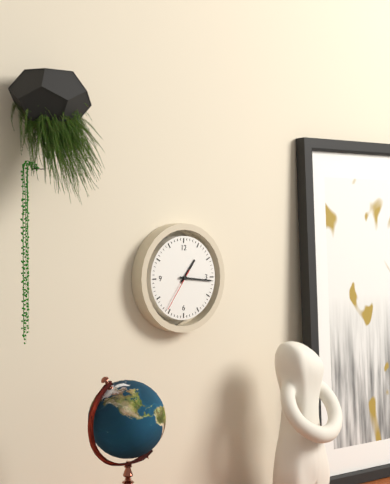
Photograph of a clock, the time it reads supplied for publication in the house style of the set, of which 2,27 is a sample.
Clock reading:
1,16
